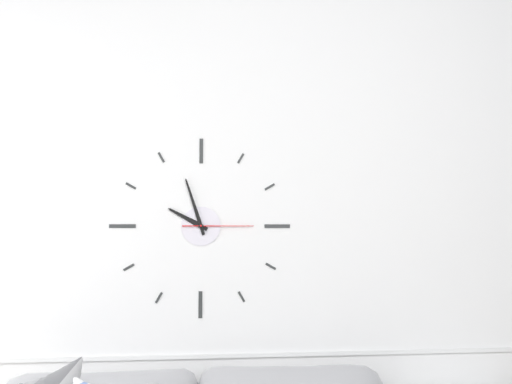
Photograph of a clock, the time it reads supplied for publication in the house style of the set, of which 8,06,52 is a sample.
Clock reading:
9,57,15
